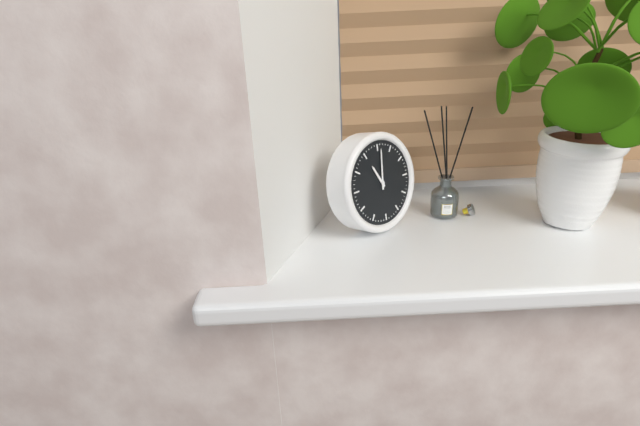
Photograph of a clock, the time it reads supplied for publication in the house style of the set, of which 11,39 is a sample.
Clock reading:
11,01
